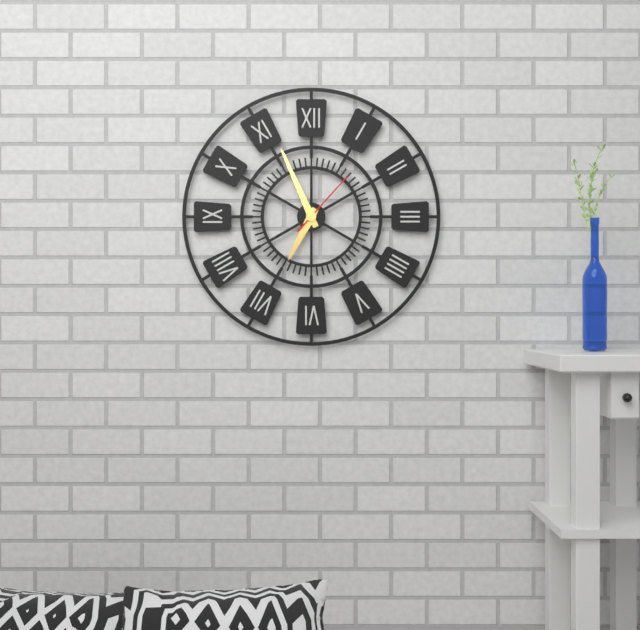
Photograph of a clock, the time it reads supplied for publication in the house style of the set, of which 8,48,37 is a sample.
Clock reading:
6,56,07
